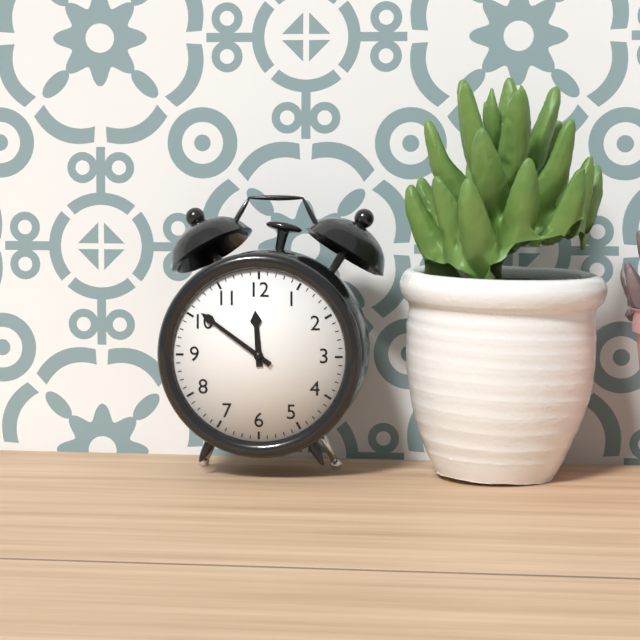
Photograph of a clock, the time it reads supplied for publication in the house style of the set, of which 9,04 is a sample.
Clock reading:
11,51
